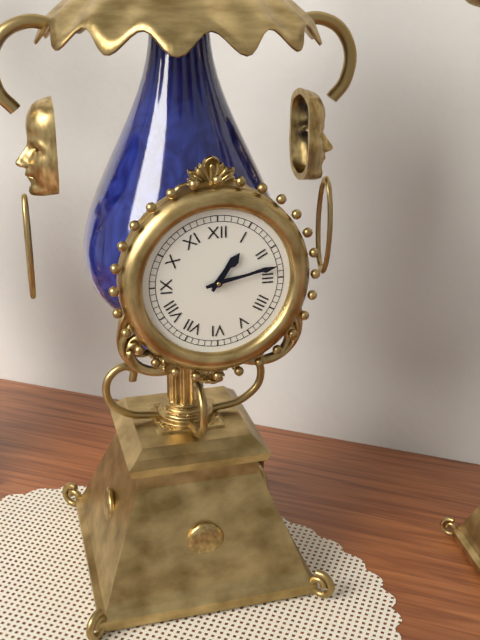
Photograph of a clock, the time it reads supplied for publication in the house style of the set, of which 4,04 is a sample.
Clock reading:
1,13
